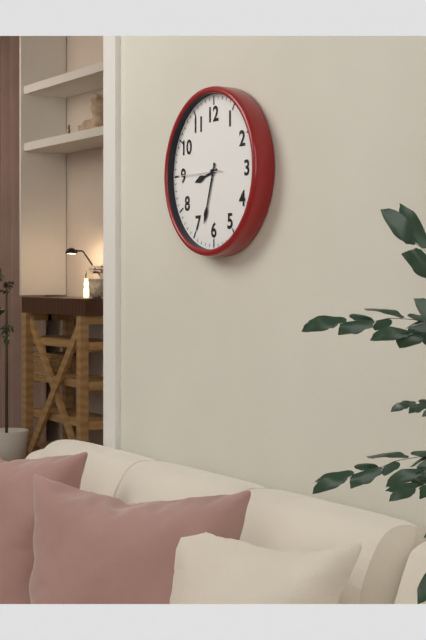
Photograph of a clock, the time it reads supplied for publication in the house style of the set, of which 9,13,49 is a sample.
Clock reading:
8,33,45
